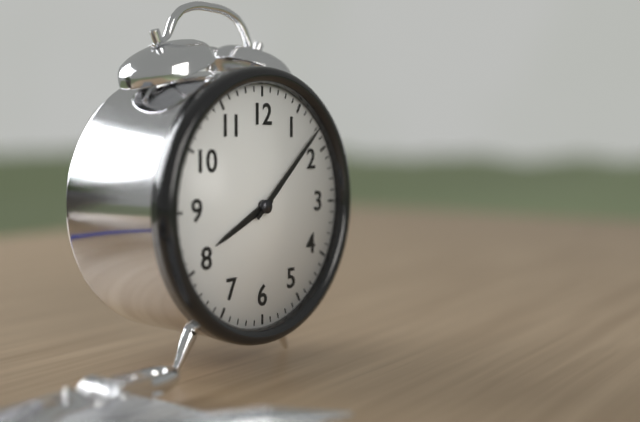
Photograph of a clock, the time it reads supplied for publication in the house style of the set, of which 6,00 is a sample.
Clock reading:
8,08
